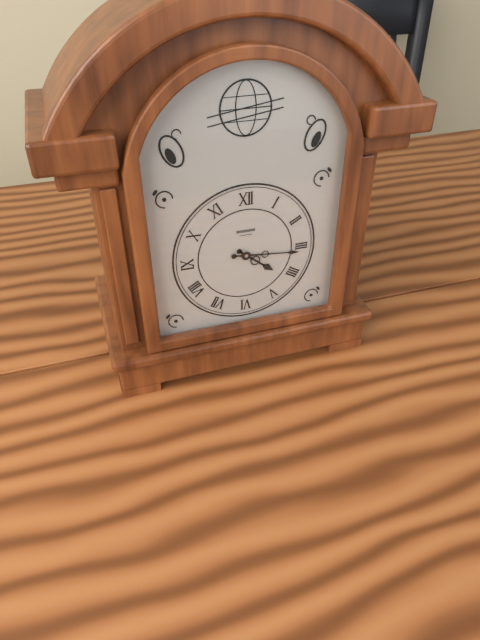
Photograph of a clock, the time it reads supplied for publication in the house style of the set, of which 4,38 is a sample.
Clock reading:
4,16
